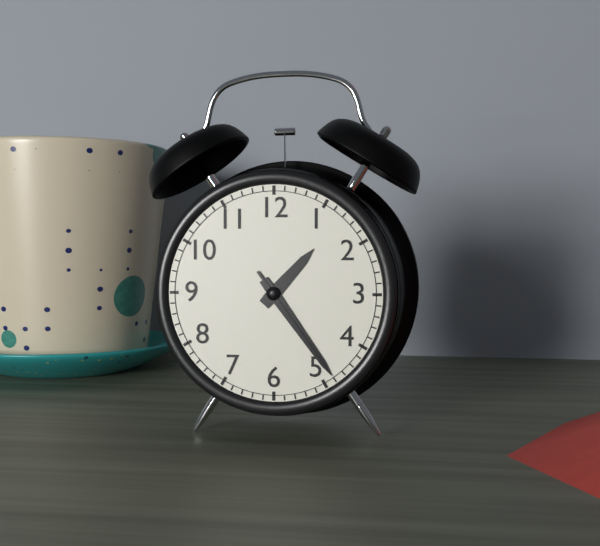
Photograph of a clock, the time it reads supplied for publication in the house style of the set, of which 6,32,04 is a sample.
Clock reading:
1,24,24
